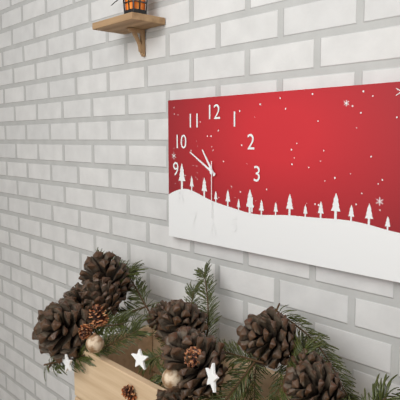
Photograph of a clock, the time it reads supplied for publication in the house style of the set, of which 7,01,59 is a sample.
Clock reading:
10,50,30
